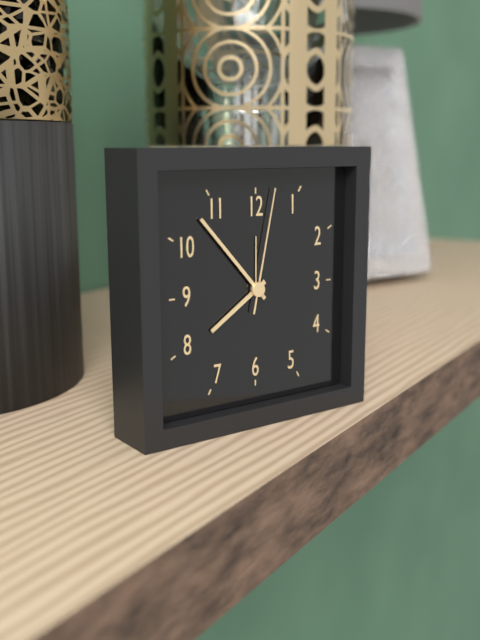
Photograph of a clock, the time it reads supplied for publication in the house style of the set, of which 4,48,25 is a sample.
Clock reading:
7,53,02
